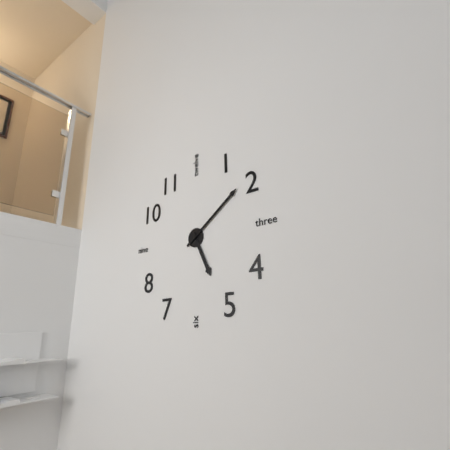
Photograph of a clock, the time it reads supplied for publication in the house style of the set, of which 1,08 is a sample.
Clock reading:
5,09
